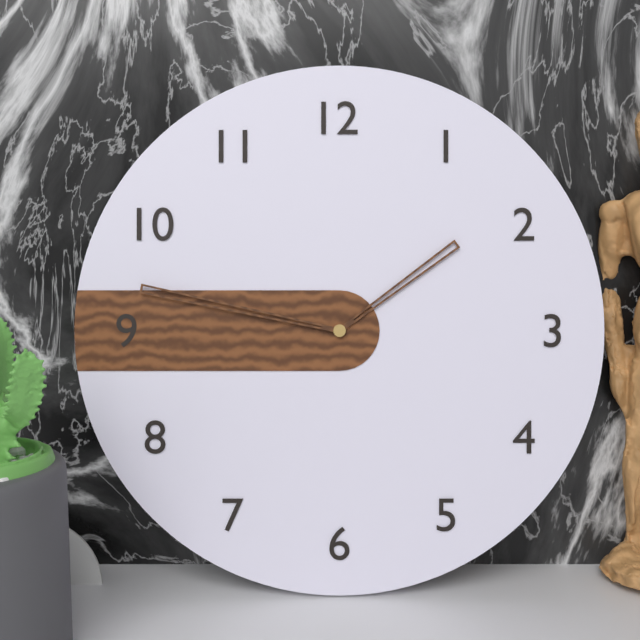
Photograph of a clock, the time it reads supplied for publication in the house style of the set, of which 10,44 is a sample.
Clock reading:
1,47
